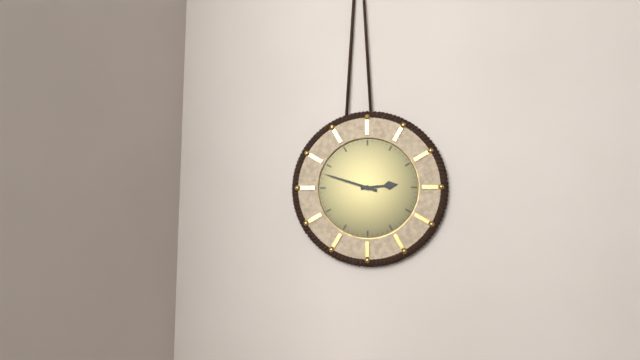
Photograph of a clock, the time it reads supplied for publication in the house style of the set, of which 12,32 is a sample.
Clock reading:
2,48
